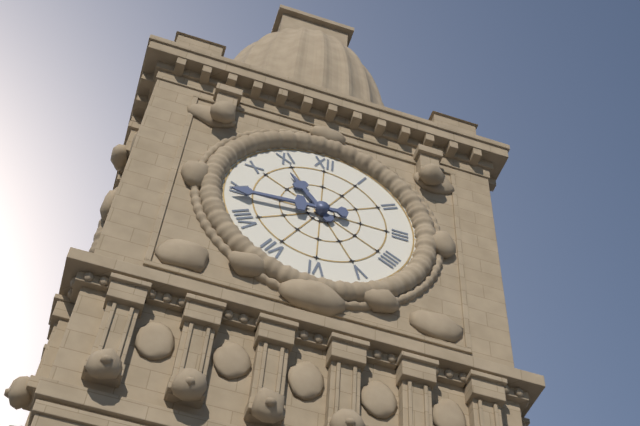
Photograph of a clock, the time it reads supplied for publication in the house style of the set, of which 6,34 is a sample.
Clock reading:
10,44
